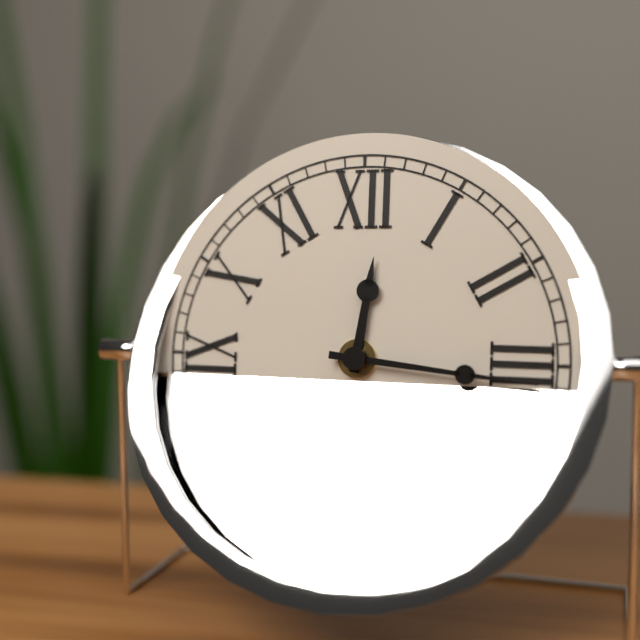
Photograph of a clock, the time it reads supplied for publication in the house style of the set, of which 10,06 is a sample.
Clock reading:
12,16
